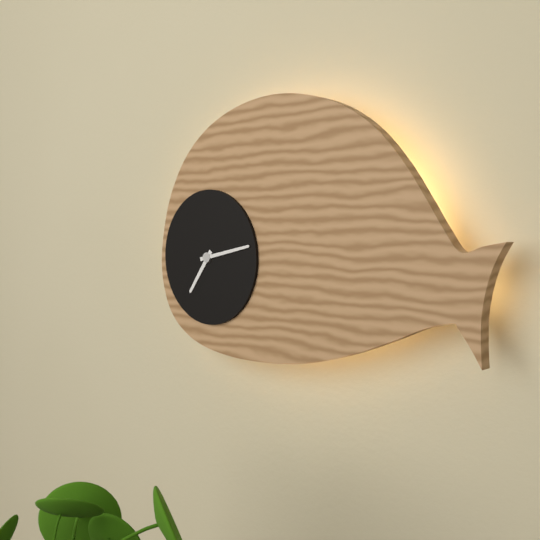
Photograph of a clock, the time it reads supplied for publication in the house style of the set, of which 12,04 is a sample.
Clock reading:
7,13
